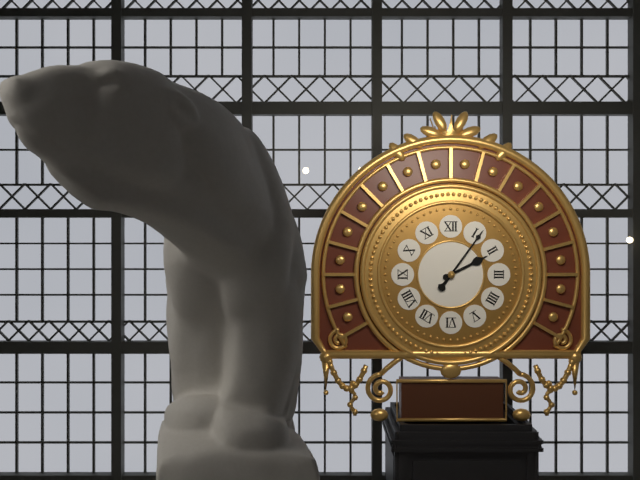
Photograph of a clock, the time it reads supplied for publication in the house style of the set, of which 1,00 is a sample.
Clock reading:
2,06
